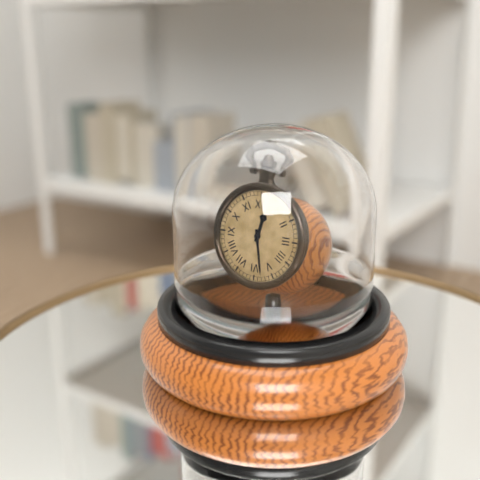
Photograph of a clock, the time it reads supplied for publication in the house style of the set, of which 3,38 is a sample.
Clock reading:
12,28
